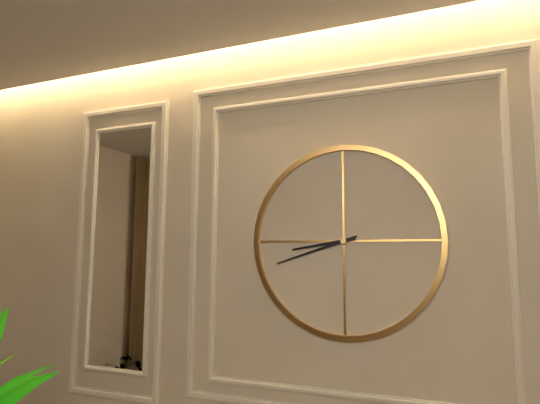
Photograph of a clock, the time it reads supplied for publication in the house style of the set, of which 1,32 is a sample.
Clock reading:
8,42
